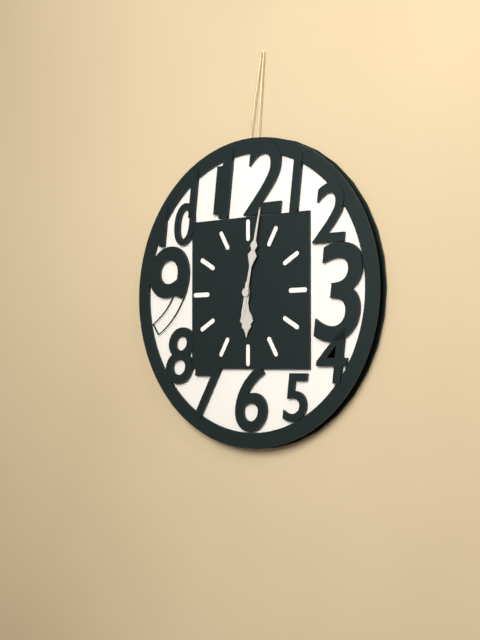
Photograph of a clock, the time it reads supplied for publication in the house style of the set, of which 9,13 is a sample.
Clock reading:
6,02
